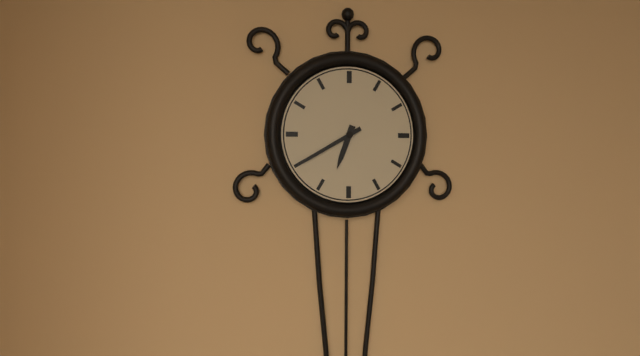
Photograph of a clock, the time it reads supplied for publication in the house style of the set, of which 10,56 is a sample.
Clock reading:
6,40
